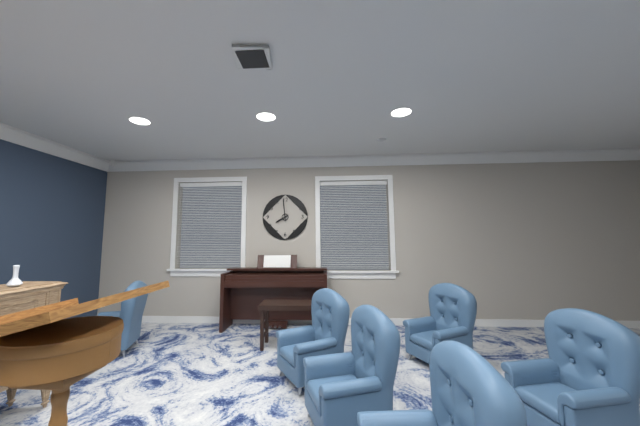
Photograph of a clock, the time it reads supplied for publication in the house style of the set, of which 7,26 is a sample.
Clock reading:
7,59
